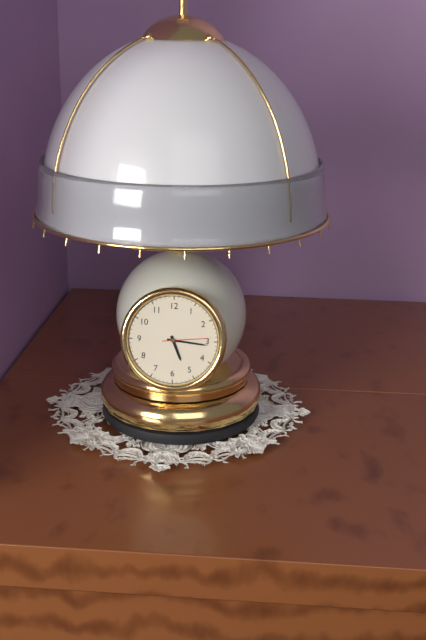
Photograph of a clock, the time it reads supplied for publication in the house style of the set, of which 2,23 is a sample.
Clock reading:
5,16
